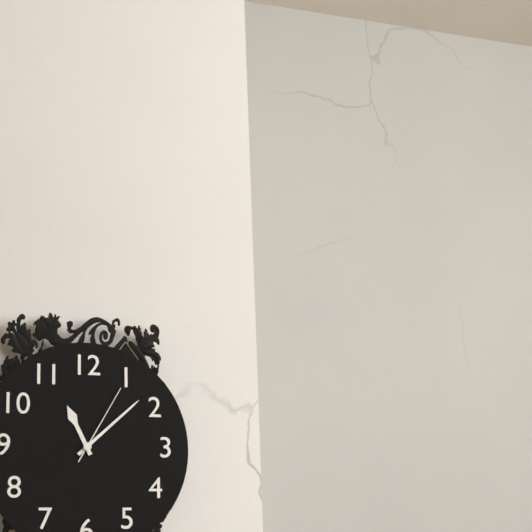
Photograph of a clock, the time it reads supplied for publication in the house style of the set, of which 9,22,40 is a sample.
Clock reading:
11,08,05
